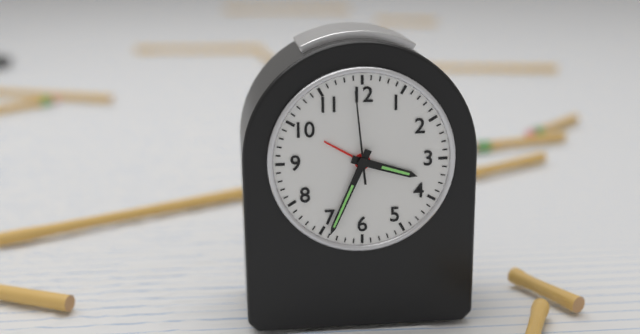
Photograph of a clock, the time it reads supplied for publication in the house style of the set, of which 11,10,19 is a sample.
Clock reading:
3,34,59
